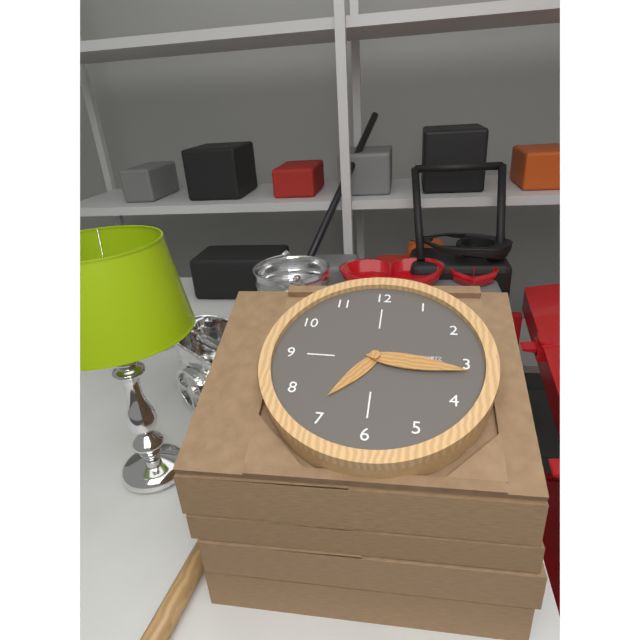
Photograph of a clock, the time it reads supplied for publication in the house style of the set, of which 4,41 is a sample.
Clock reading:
7,16
